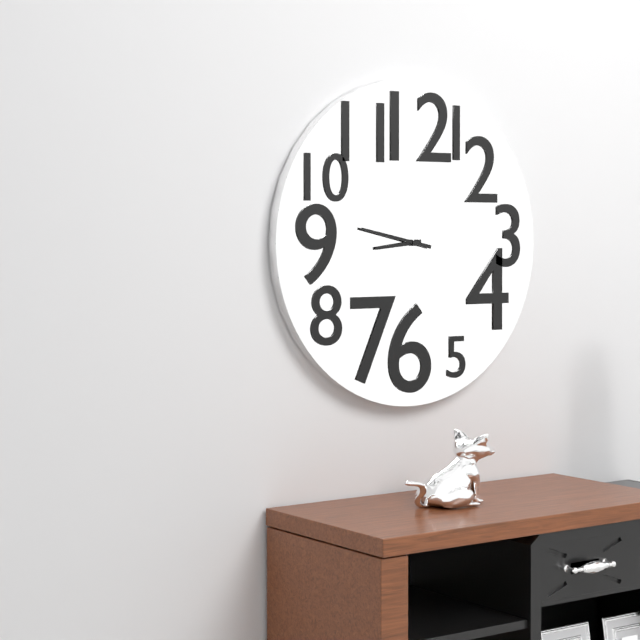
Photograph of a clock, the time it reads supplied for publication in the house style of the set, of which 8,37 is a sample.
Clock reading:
8,47
